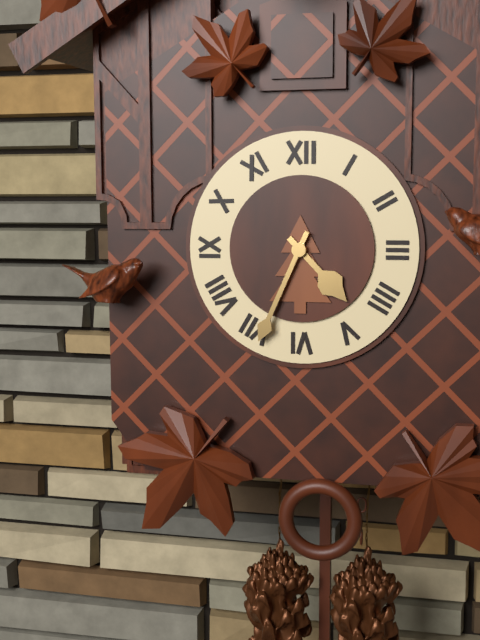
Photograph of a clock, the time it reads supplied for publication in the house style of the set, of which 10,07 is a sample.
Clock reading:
4,34
